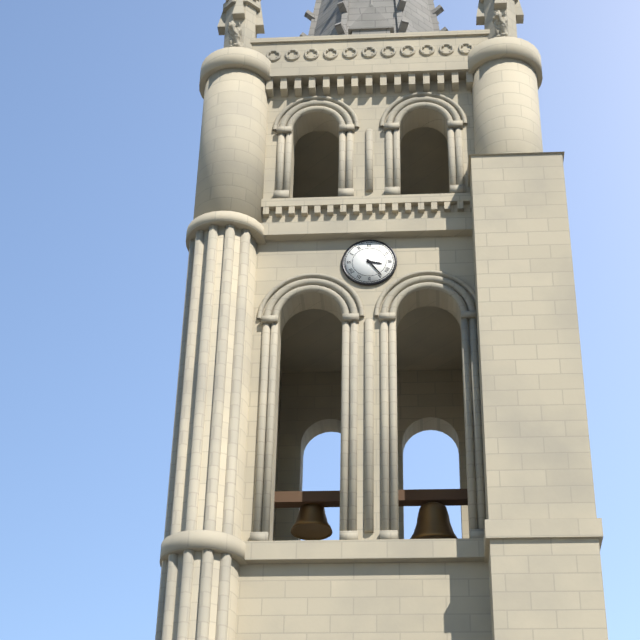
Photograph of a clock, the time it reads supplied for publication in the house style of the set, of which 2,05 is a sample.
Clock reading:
3,24
